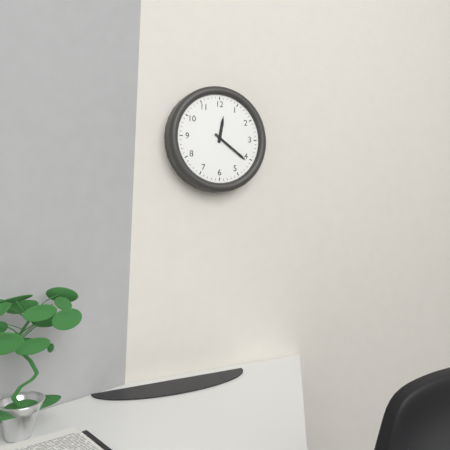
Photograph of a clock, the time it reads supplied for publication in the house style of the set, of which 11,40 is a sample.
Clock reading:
12,21
